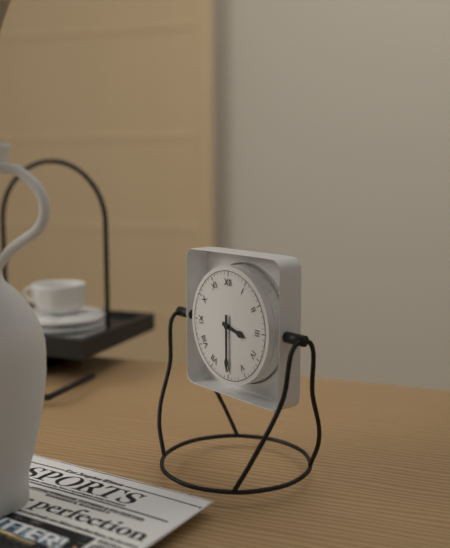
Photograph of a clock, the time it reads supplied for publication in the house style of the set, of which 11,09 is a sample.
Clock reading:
3,30
